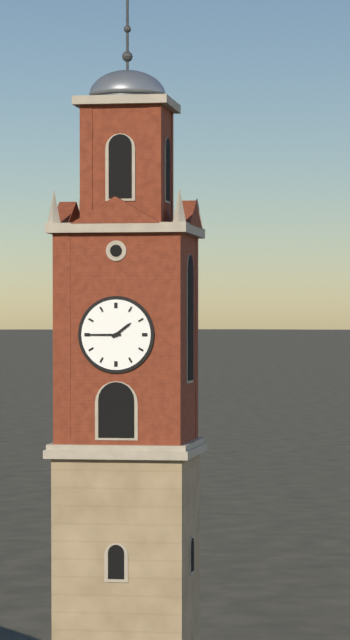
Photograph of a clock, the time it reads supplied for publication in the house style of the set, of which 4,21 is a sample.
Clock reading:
1,45
